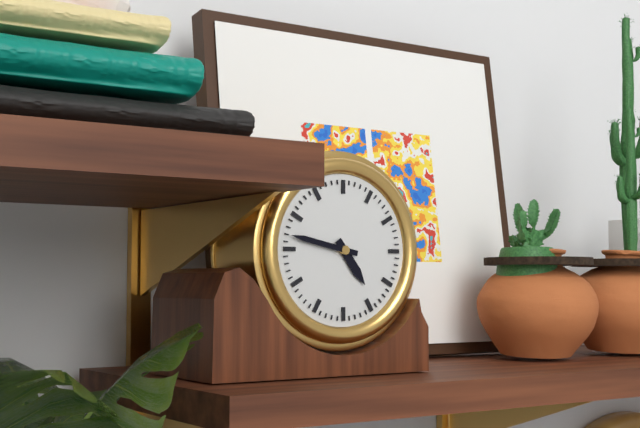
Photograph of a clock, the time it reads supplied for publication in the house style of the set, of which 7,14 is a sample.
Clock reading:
4,47
